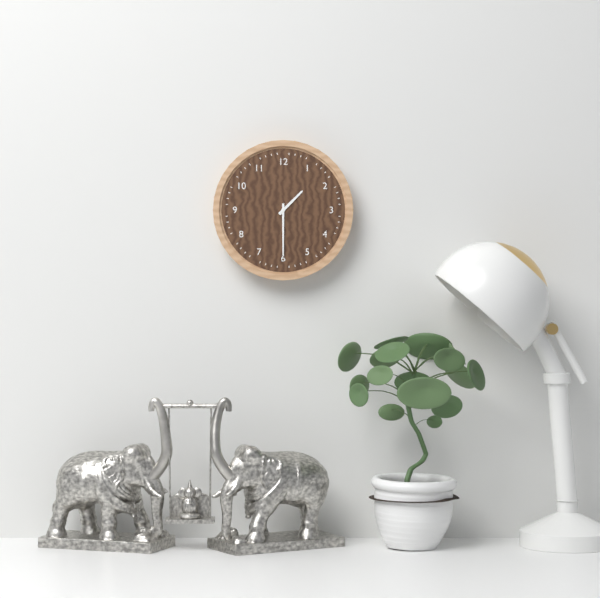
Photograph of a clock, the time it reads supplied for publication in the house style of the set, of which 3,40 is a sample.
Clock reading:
1,30
